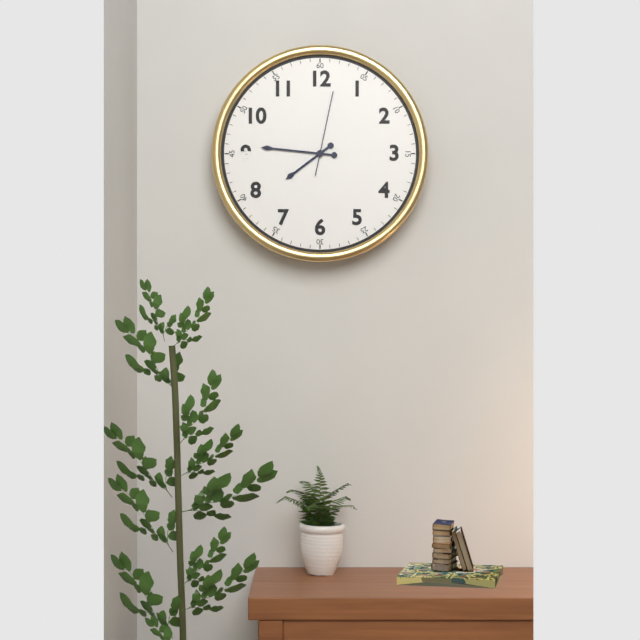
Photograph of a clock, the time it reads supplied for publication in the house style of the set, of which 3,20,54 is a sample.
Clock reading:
7,46,02
